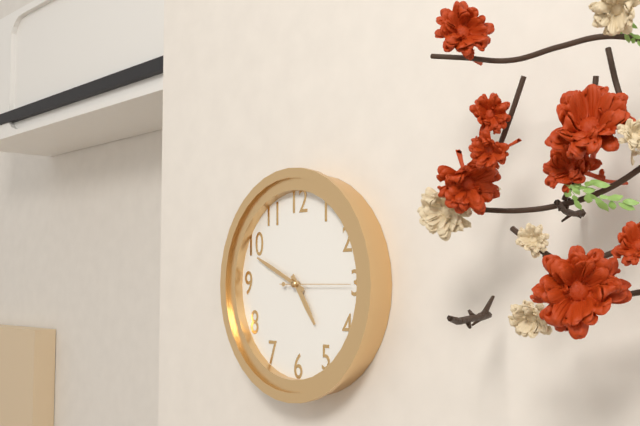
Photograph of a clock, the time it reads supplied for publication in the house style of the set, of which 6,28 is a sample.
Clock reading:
4,49
